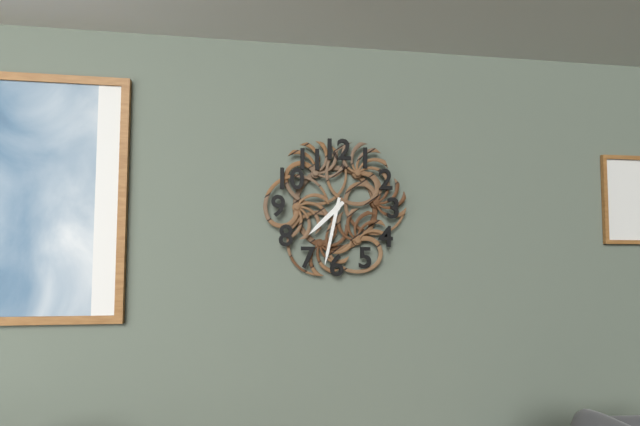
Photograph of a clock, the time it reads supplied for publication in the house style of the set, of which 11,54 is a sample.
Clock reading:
7,32
